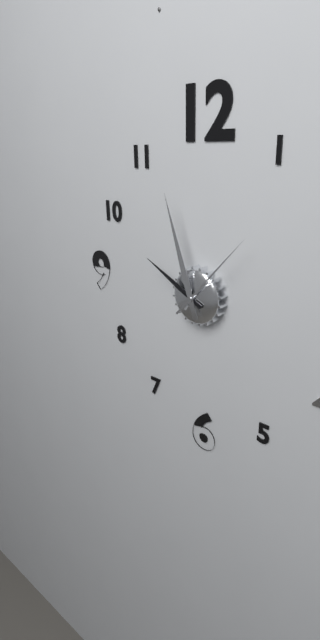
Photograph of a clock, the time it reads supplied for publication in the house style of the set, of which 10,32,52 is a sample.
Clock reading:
9,57,07
